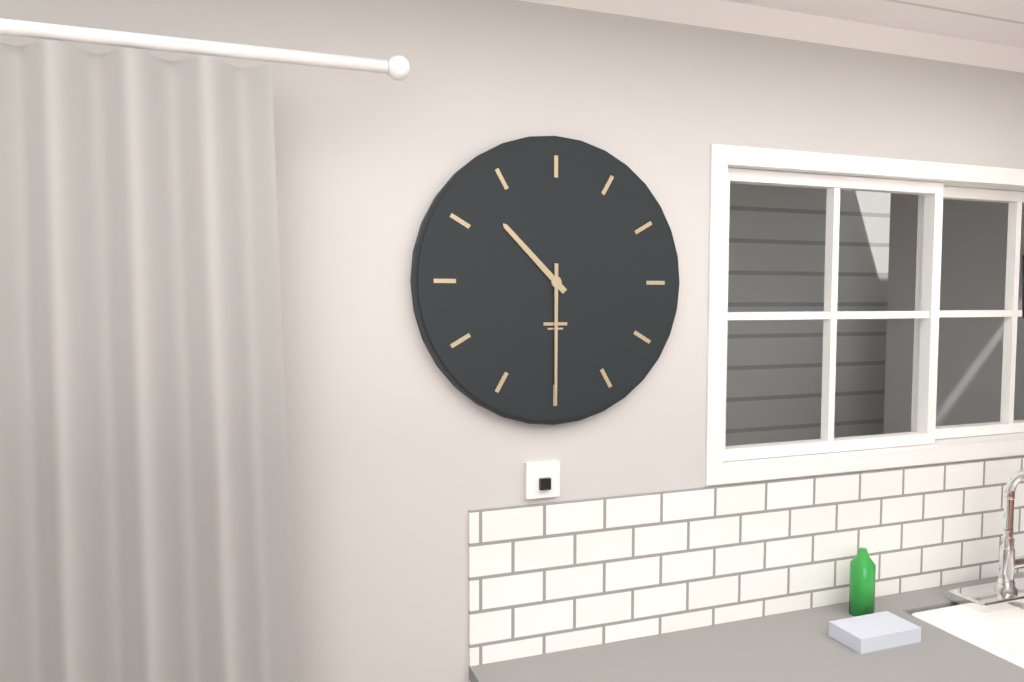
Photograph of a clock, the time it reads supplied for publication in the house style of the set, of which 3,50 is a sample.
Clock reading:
10,30
